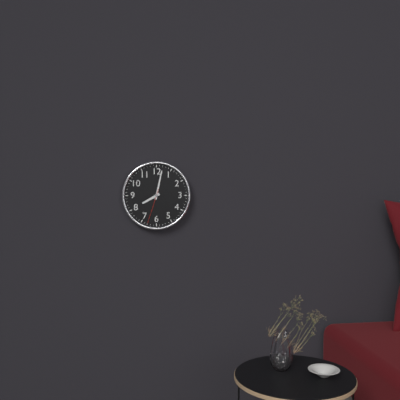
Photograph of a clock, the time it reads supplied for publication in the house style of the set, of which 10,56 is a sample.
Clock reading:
8,02
